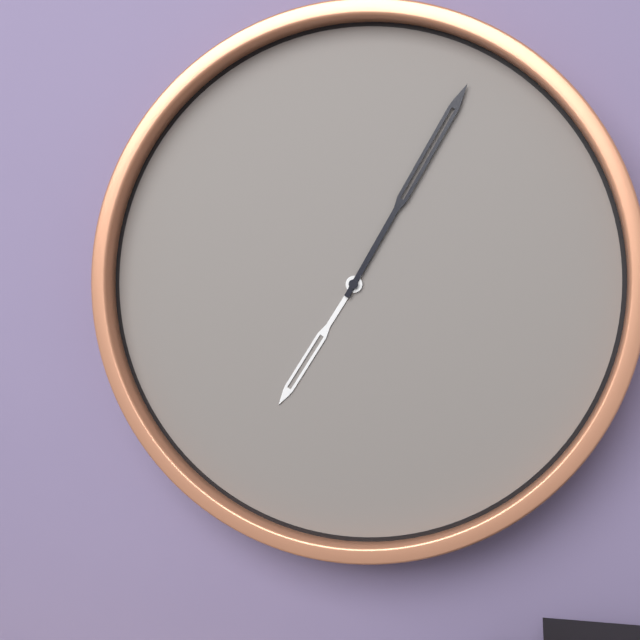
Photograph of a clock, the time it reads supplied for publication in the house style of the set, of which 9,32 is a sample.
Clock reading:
7,05
